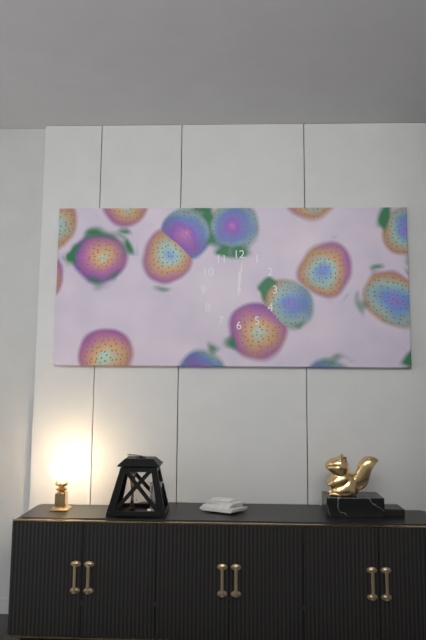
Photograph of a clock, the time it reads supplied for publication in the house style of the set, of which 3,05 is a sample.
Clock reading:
12,01
